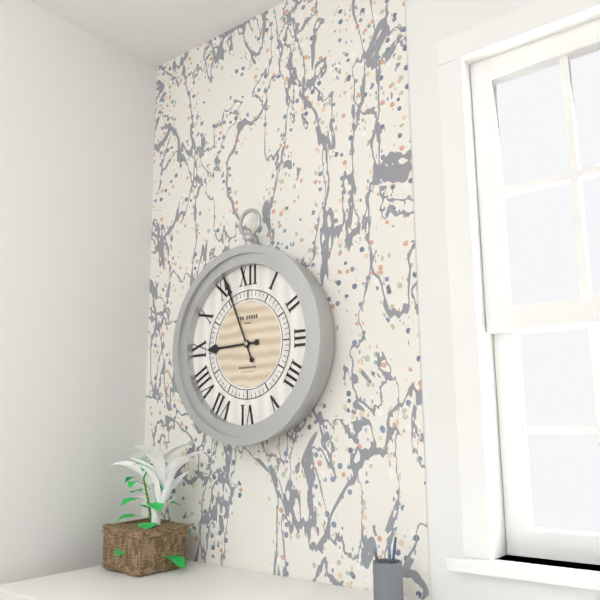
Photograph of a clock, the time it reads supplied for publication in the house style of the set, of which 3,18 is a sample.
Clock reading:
8,56
